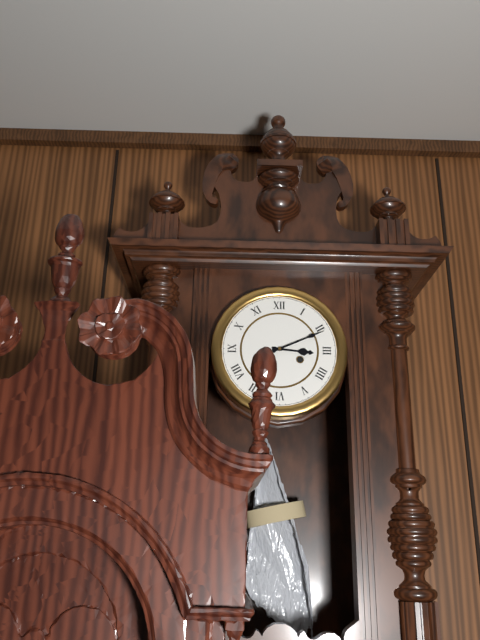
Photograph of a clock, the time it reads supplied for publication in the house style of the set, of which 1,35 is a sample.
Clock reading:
3,11
